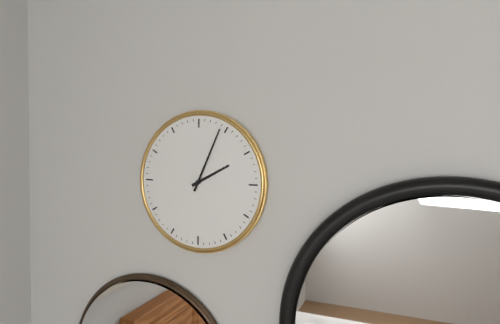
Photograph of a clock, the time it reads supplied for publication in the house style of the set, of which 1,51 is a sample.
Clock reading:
2,04
